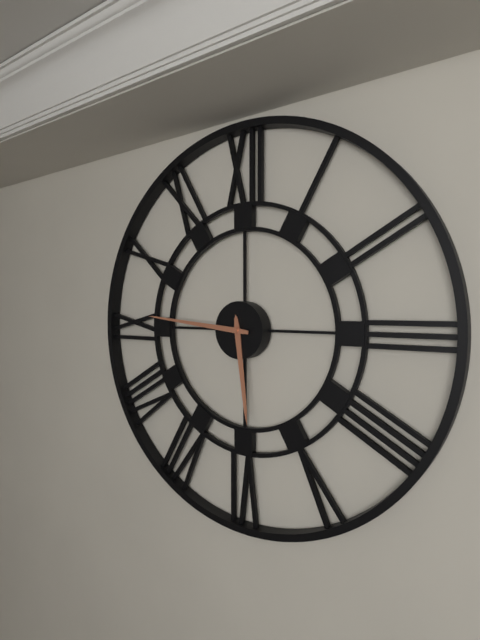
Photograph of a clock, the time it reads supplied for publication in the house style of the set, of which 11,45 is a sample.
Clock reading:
5,46
